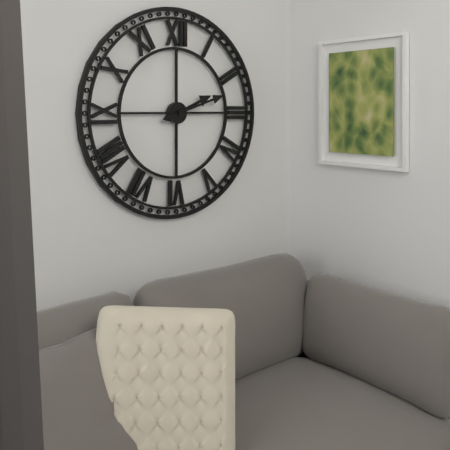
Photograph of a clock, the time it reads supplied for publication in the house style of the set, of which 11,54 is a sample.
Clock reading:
2,12
